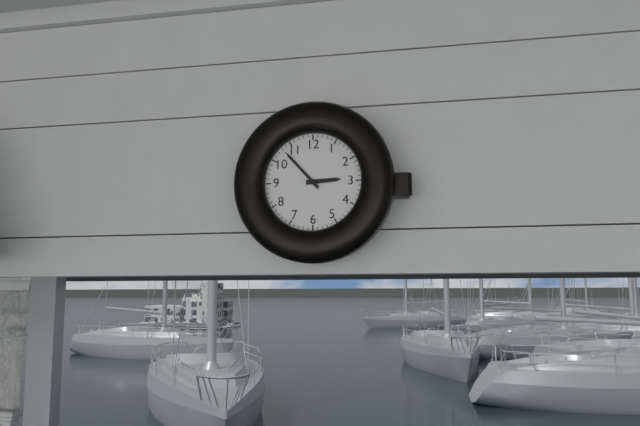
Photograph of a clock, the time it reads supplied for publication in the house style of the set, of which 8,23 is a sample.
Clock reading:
2,53
